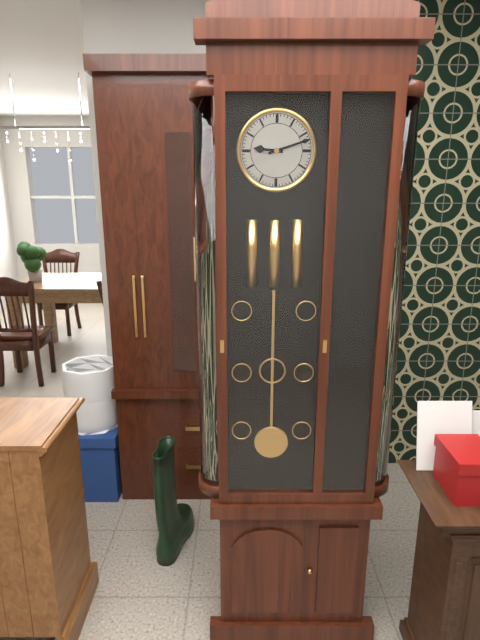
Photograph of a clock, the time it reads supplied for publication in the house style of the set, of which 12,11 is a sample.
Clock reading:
9,12
